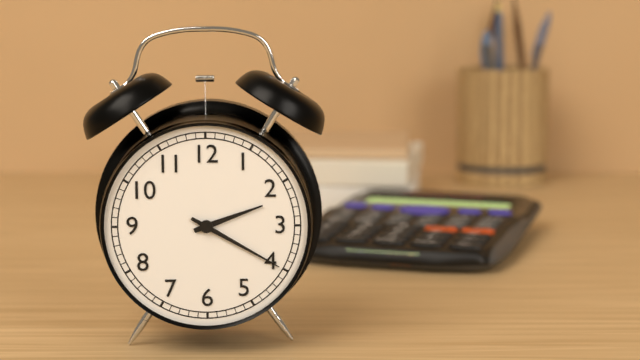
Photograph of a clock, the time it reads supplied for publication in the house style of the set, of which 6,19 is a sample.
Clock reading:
2,20
